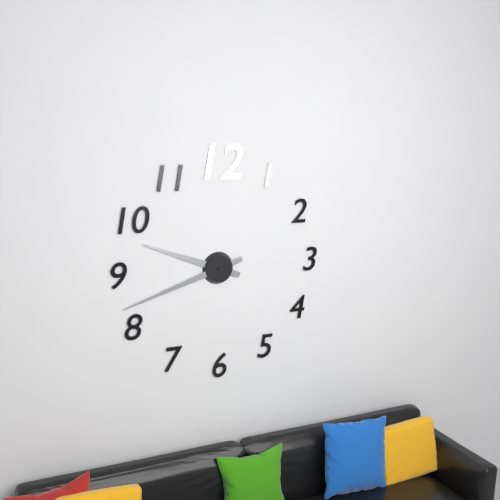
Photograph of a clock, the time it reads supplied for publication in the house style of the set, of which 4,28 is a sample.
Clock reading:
9,42
